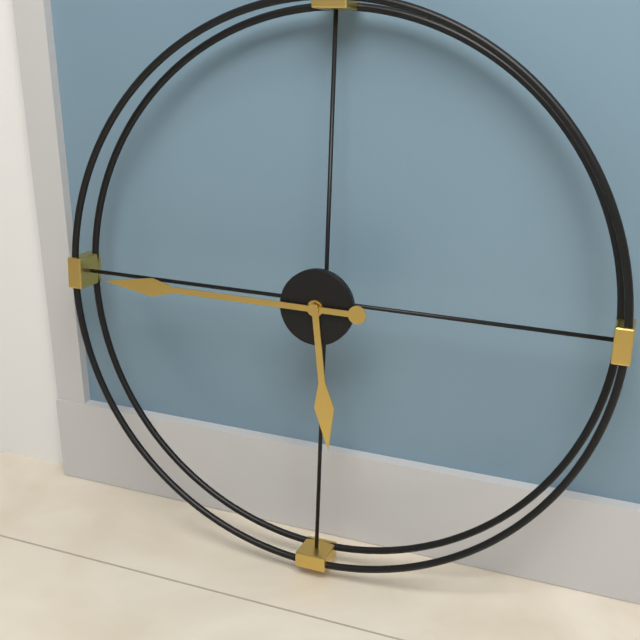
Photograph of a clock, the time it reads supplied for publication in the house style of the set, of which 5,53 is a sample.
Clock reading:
5,45
